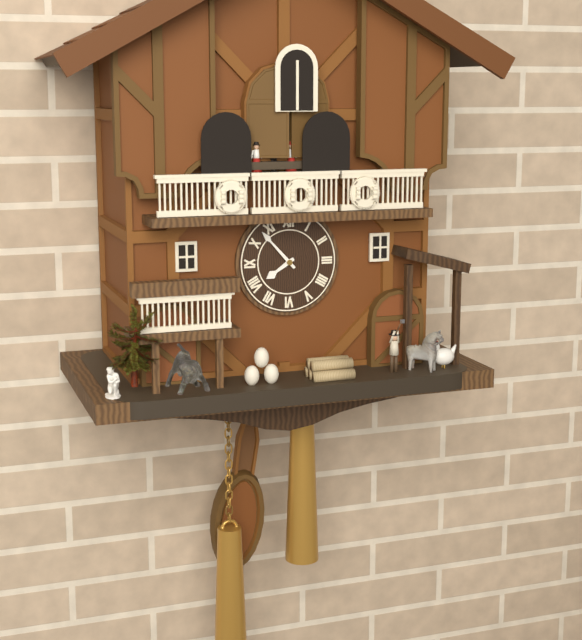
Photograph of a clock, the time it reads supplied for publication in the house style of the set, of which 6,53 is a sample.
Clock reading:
7,53
